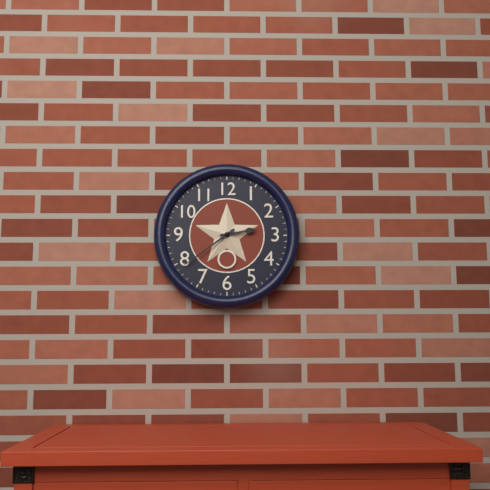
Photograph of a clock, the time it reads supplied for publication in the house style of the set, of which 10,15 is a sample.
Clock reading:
2,39
